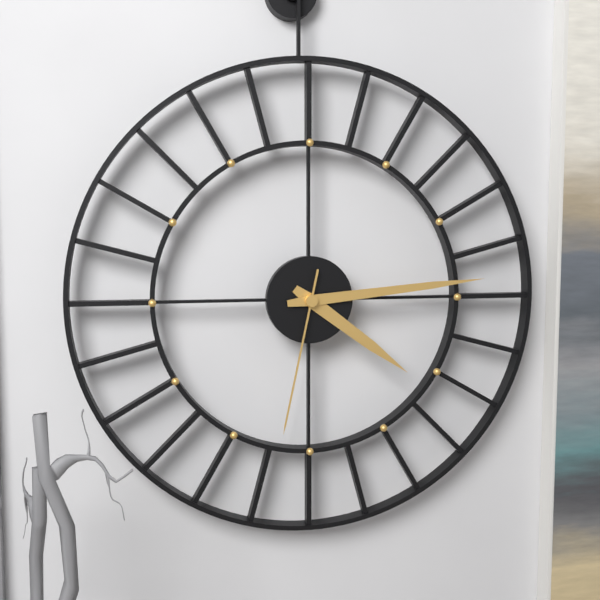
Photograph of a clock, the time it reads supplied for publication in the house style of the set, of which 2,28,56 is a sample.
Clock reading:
4,14,32
